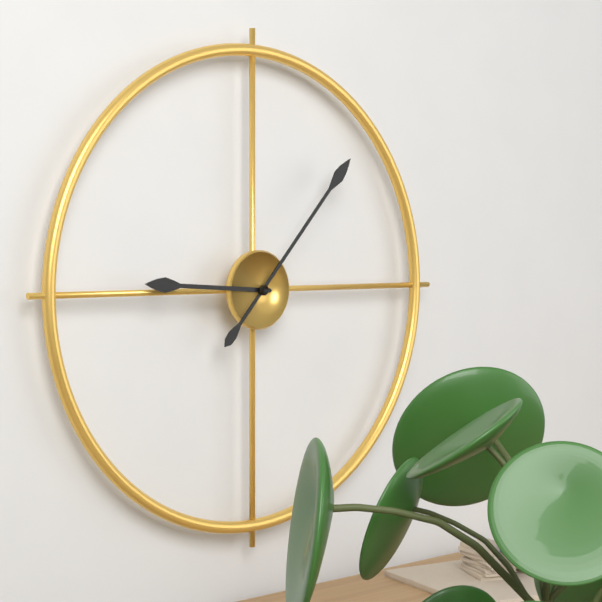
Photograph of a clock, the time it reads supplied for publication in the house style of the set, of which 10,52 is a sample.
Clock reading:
9,07
